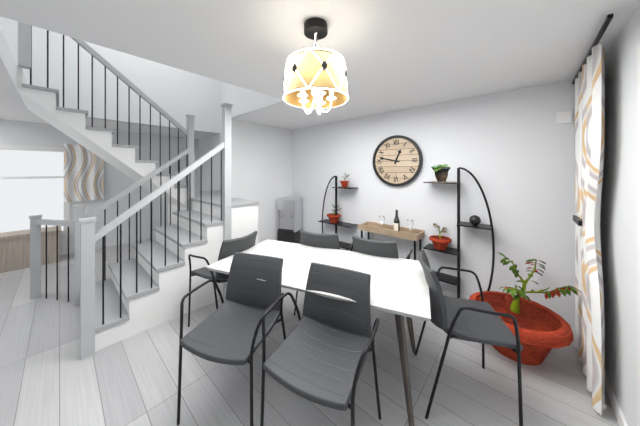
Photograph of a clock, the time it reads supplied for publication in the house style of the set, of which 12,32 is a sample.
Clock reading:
12,47
